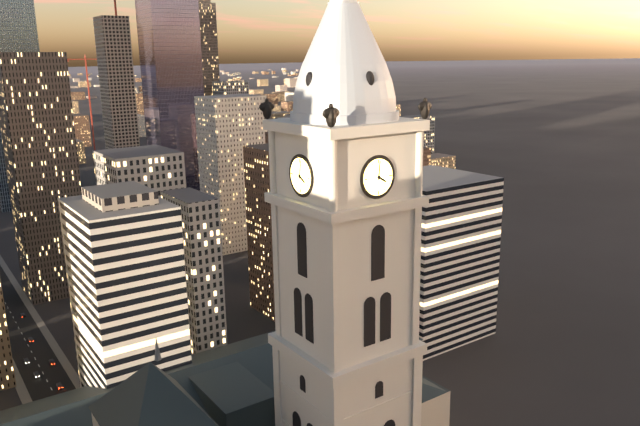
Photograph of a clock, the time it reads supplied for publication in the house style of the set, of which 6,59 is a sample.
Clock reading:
4,01
